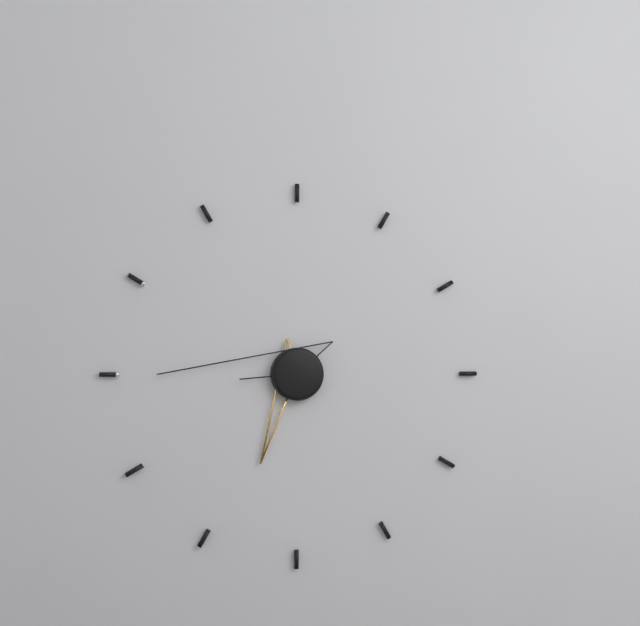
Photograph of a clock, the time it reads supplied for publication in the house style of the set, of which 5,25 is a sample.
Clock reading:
6,45
